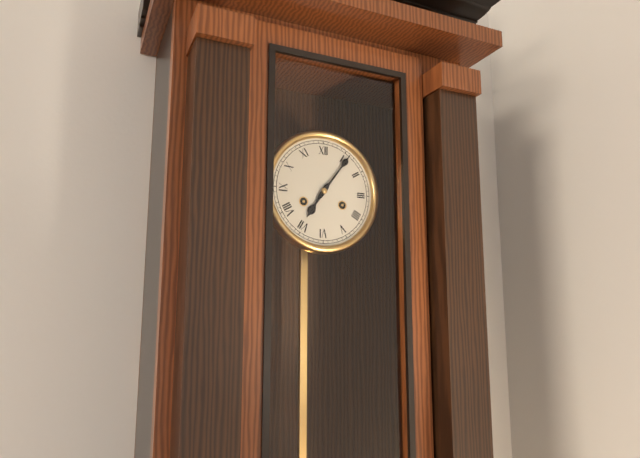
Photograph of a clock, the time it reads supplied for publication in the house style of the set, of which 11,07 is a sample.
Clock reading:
7,06
